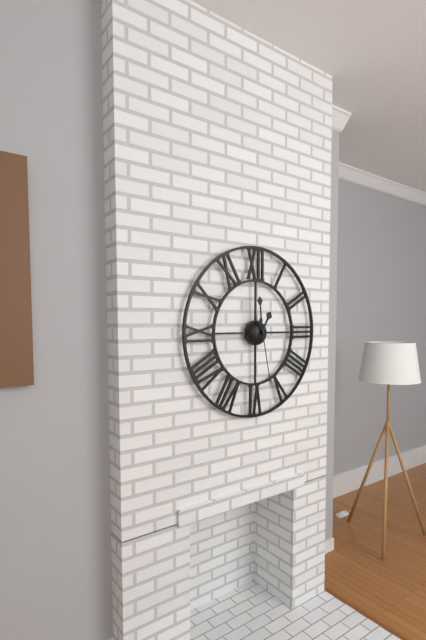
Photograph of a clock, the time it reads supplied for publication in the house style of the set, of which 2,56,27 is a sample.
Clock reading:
12,59,28
